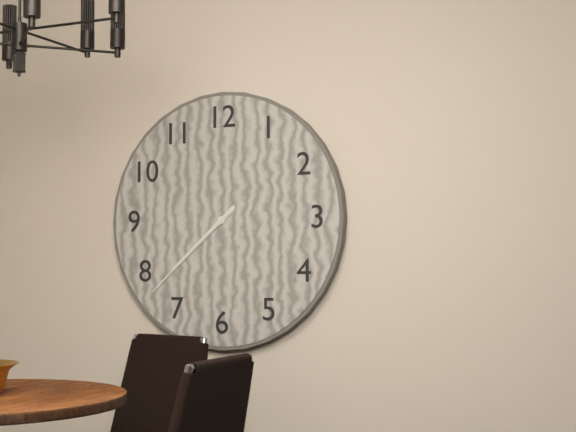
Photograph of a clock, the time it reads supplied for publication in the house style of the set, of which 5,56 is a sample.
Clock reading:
7,38
